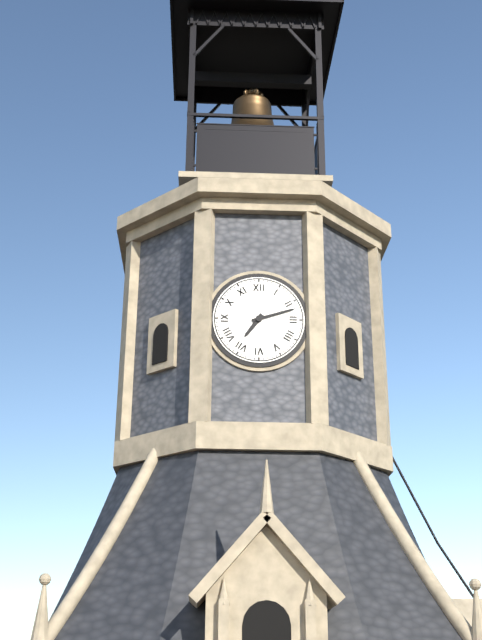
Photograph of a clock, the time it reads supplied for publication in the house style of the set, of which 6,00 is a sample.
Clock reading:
7,12
